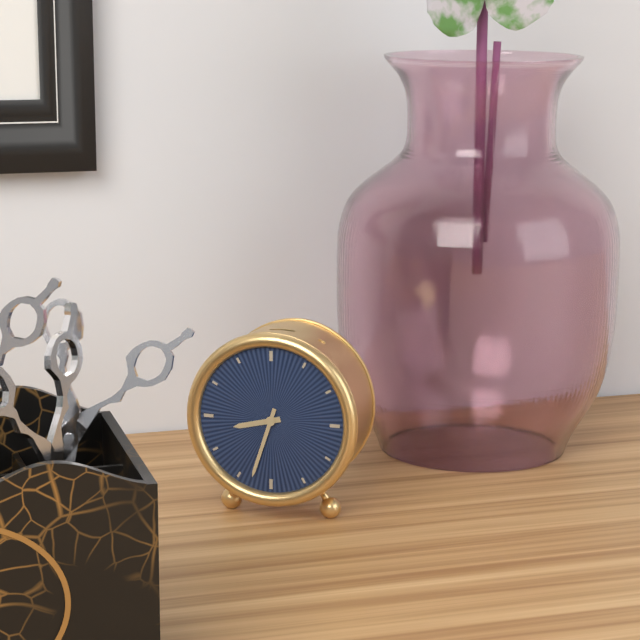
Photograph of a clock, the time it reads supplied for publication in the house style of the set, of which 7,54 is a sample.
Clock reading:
8,33
